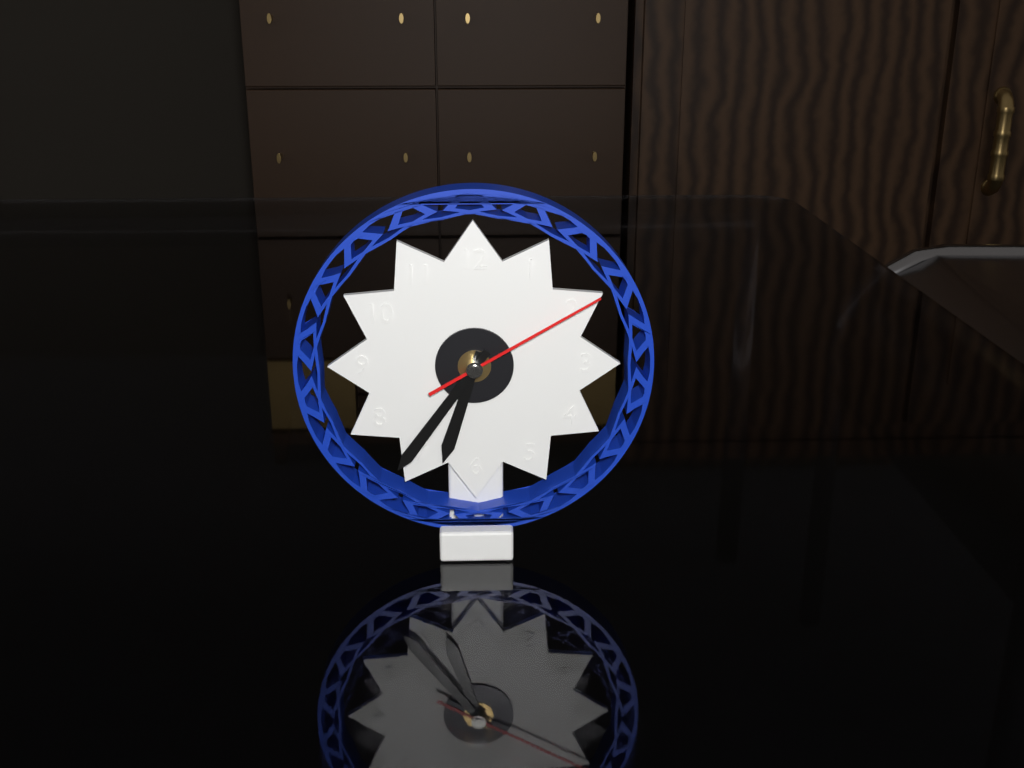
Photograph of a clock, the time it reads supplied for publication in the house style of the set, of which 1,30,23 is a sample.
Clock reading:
6,36,10
